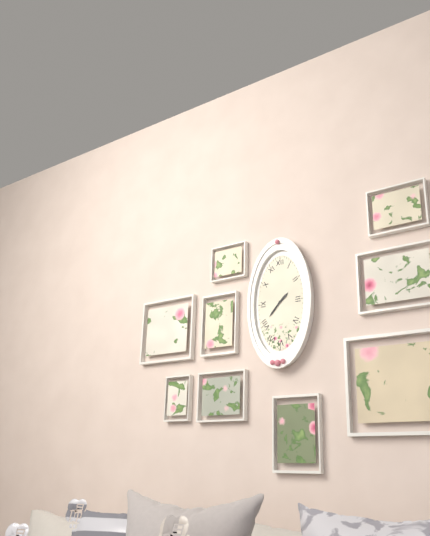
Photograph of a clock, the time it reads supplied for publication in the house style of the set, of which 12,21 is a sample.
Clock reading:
1,37
